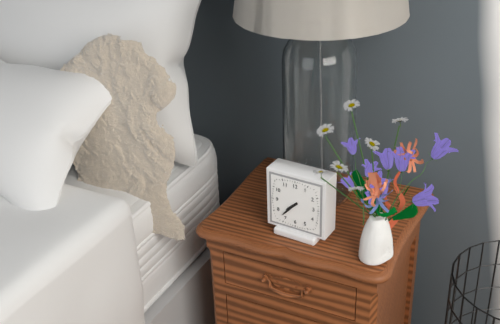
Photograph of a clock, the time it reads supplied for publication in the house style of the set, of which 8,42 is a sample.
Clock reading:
7,37
